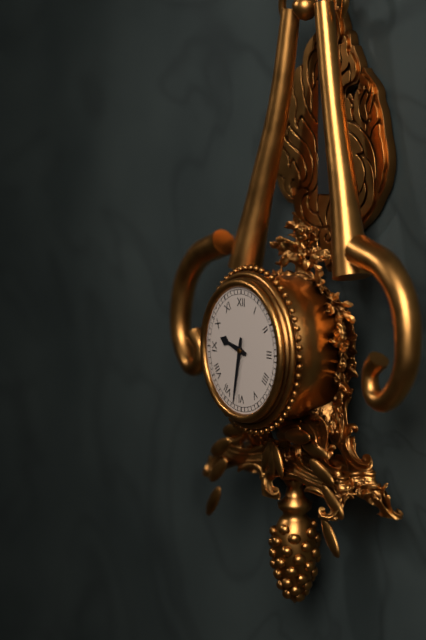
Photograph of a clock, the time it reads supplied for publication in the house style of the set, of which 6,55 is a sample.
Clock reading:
9,32
